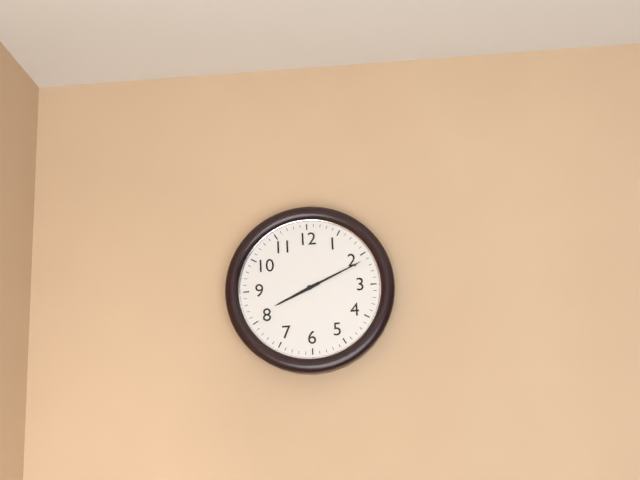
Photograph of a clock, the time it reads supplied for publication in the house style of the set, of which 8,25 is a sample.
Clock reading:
8,11
